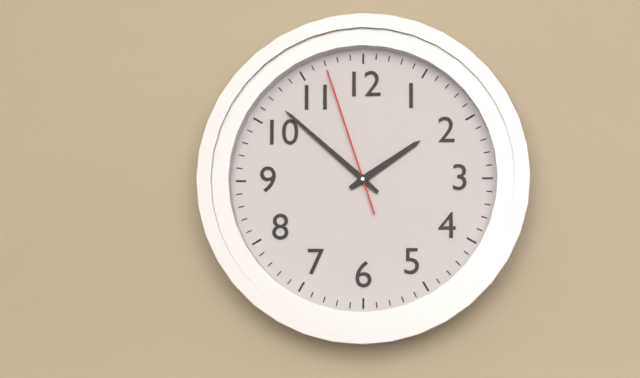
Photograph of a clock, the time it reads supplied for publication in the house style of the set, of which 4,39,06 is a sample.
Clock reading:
1,52,57
